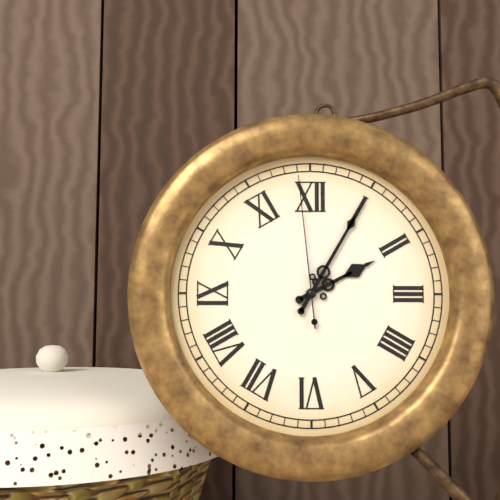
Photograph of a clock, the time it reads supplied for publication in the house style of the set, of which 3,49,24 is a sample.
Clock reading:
2,05,59
